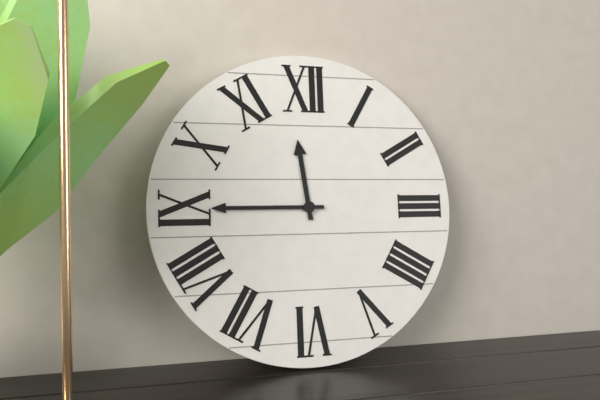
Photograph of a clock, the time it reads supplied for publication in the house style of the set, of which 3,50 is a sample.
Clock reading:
11,45
